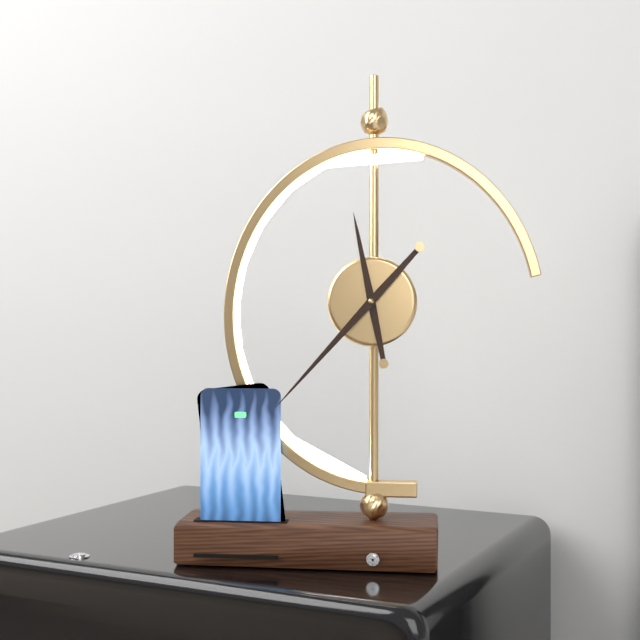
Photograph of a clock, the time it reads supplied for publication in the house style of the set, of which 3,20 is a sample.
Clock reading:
11,37
